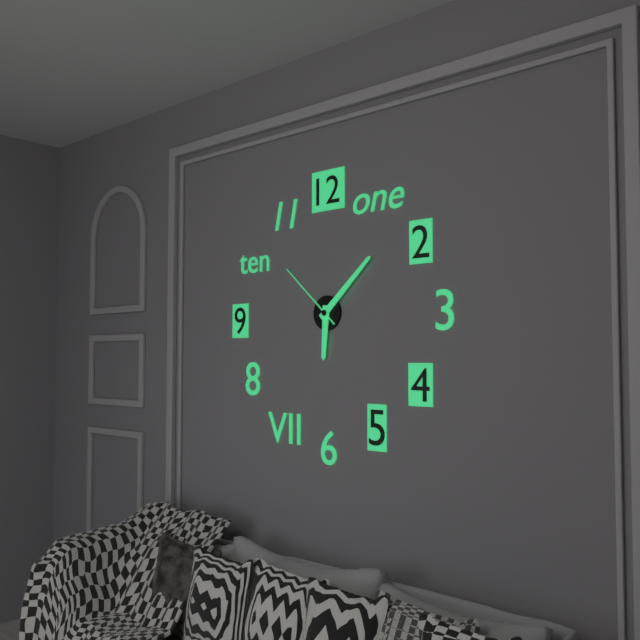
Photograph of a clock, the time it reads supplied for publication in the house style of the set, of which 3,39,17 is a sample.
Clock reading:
6,08,52
